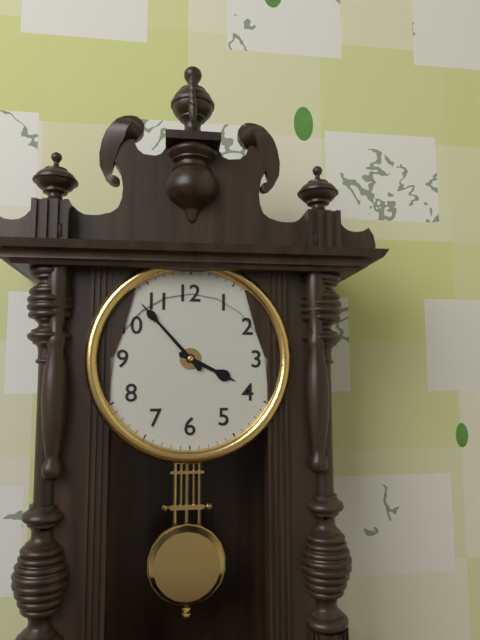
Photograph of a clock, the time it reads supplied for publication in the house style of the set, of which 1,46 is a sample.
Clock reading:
3,53
